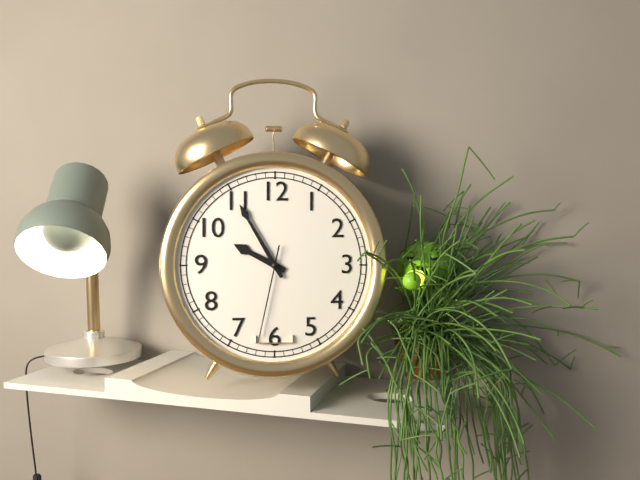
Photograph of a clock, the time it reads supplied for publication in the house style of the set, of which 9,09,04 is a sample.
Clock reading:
9,55,32
